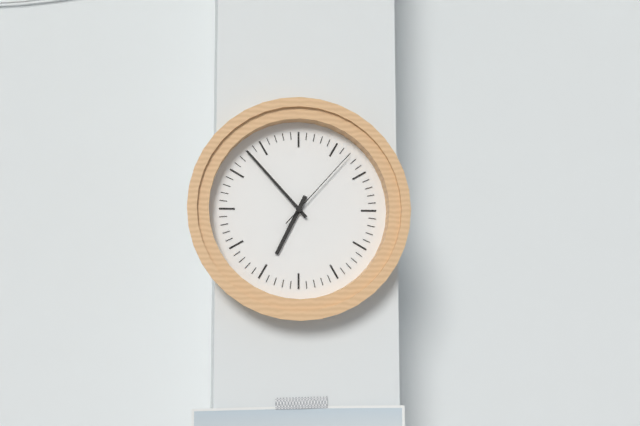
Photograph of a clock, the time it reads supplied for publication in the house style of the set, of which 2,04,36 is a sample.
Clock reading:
6,53,07
